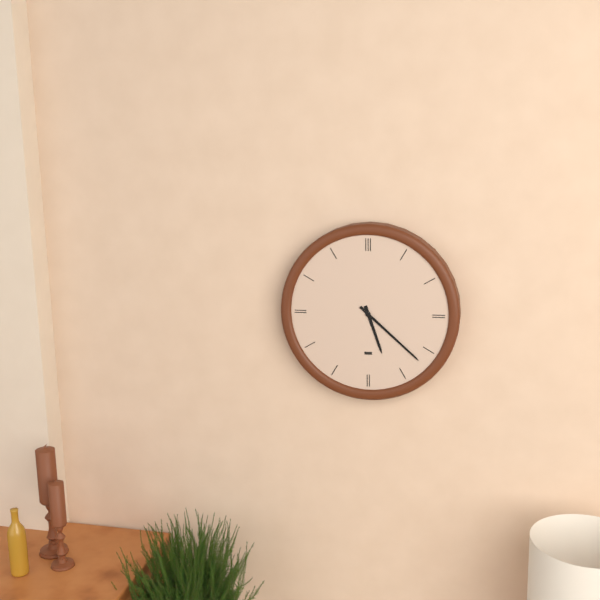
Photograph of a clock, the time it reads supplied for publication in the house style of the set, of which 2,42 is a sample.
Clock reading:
5,22
